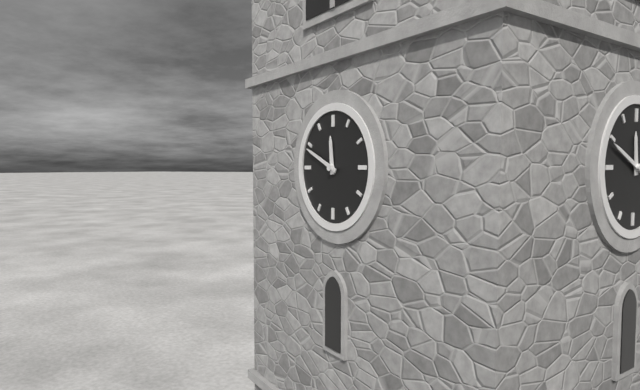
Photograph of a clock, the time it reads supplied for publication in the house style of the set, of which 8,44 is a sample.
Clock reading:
11,49
